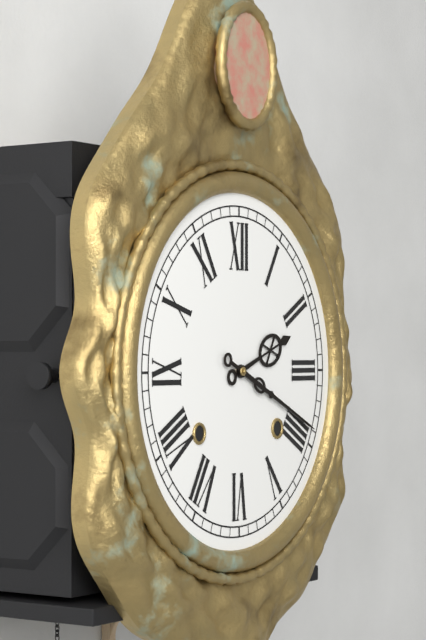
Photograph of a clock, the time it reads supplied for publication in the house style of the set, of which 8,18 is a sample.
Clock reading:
2,19
